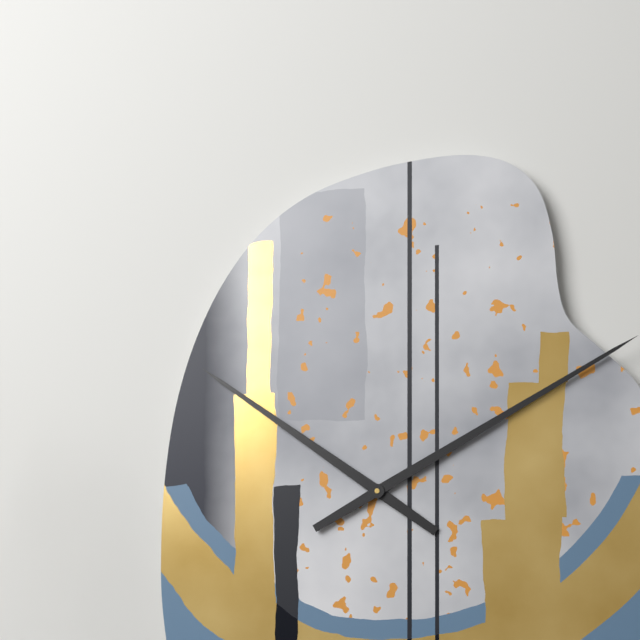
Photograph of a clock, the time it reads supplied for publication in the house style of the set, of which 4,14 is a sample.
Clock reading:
10,10
